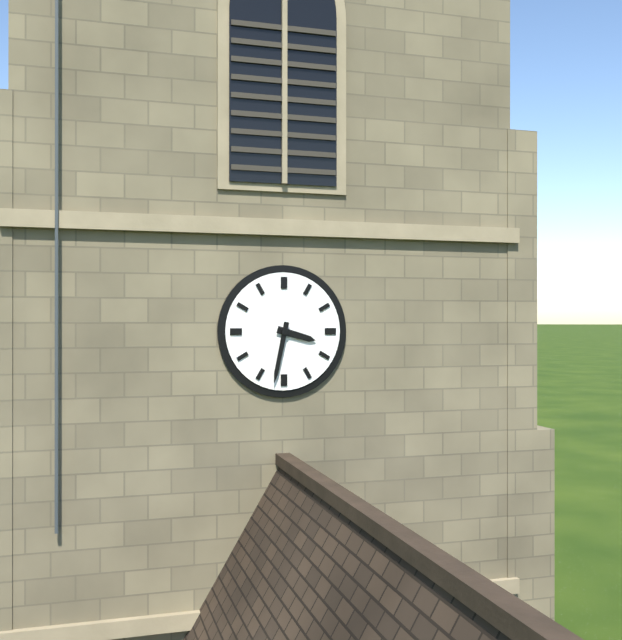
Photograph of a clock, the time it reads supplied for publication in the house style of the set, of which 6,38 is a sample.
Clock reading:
3,32
